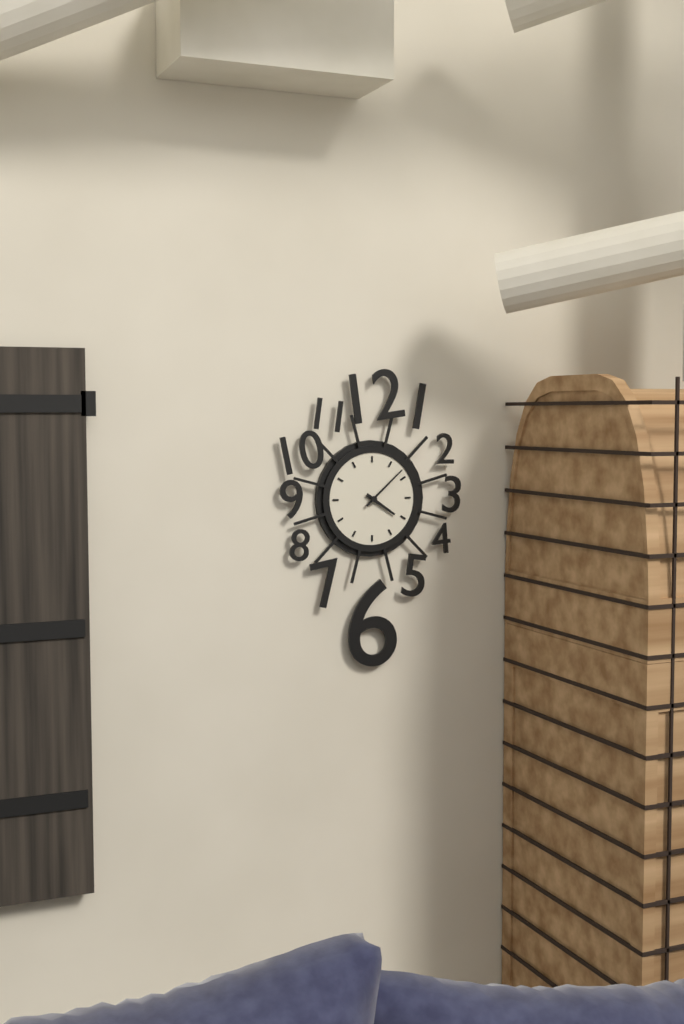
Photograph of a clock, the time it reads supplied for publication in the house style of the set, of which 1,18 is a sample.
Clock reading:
4,08
